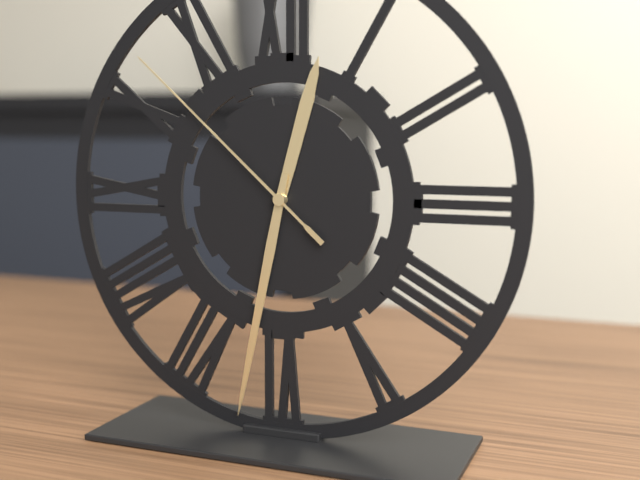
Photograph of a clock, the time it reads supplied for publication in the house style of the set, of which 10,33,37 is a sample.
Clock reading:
12,32,52
